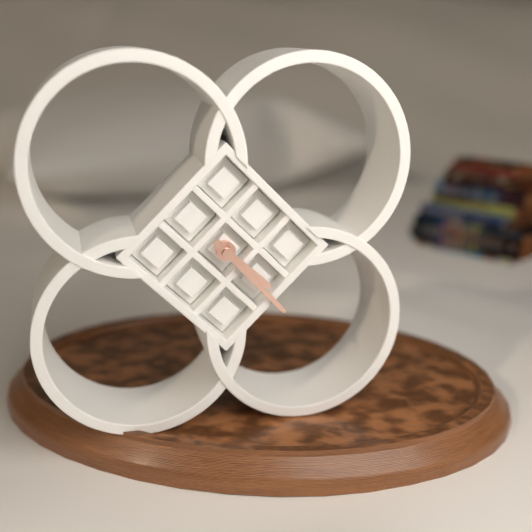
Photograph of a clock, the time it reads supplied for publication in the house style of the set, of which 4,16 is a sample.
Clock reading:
4,23
